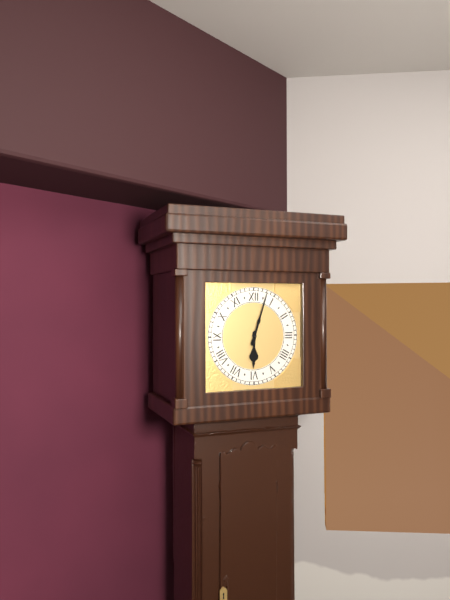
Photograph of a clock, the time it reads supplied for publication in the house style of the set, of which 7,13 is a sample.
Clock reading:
6,03
